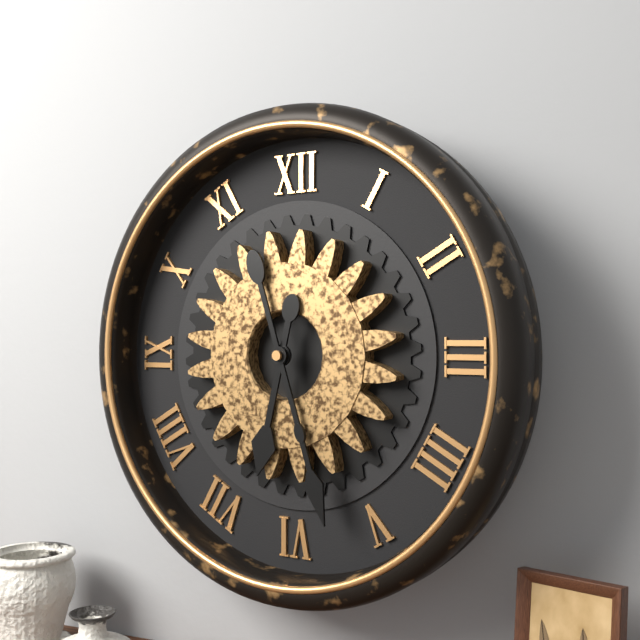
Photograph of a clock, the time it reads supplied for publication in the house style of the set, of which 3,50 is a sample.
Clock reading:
6,27
